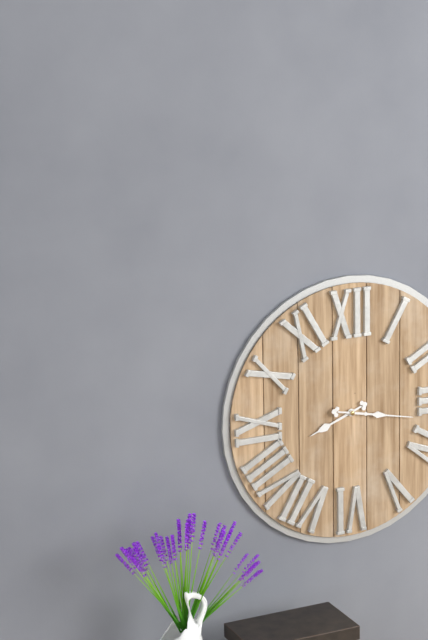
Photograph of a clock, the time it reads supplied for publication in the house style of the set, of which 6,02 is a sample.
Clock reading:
8,17
